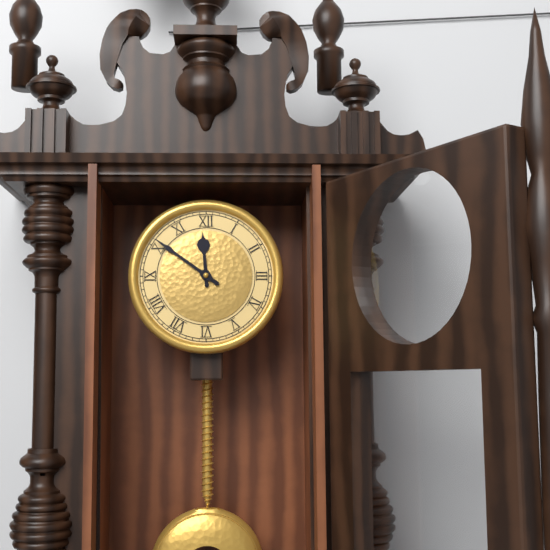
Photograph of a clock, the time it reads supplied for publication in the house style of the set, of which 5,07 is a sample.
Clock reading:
11,51
